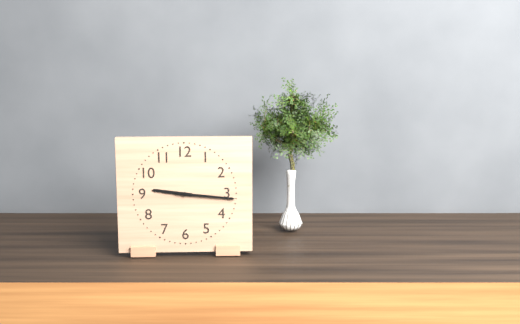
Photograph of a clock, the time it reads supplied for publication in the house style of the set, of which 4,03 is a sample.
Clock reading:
9,16
